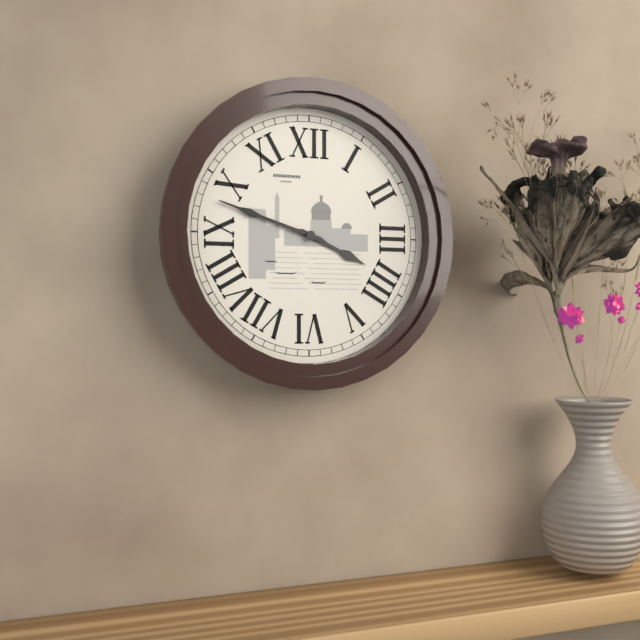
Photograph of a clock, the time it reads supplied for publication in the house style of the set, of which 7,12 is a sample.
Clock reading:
3,48
